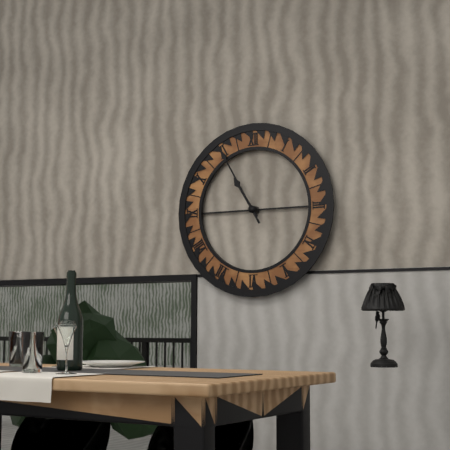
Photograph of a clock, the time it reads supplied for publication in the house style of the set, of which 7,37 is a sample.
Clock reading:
10,55
